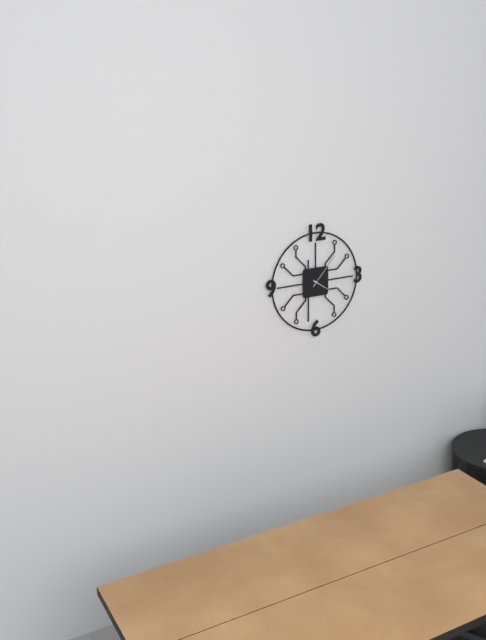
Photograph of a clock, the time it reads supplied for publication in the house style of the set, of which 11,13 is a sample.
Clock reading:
4,07
